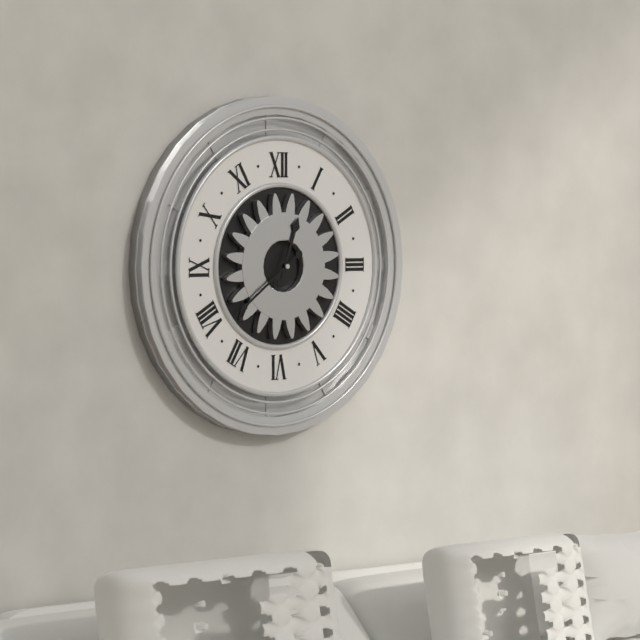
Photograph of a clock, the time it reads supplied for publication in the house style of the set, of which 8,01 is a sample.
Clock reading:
12,39
